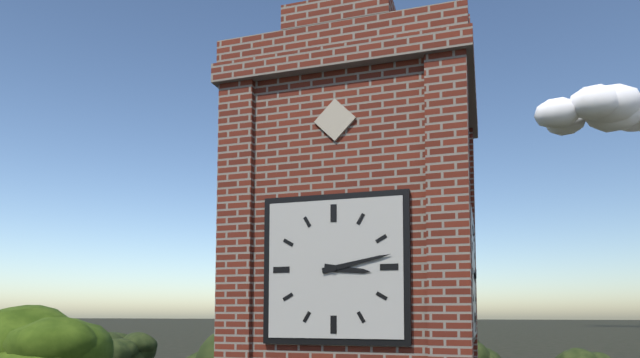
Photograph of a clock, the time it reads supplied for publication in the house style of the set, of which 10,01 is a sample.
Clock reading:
3,13
